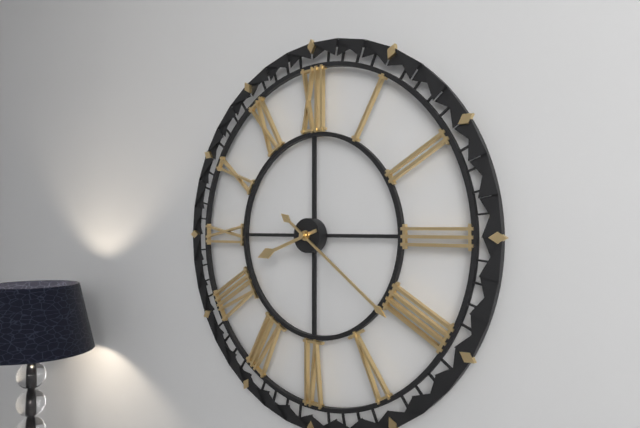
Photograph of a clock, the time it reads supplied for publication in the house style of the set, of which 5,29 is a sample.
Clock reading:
8,21
